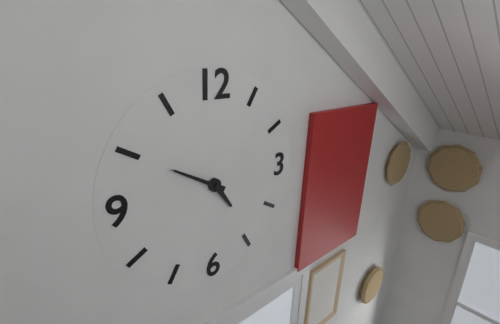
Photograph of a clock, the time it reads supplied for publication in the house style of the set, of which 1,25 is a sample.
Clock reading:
4,50
